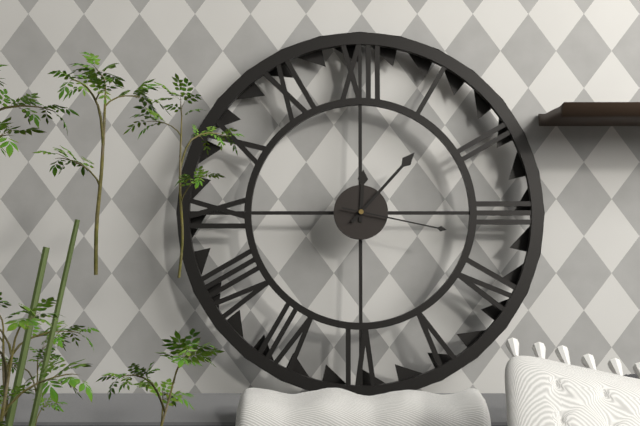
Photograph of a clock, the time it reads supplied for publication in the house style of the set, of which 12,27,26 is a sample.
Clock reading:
12,07,17
